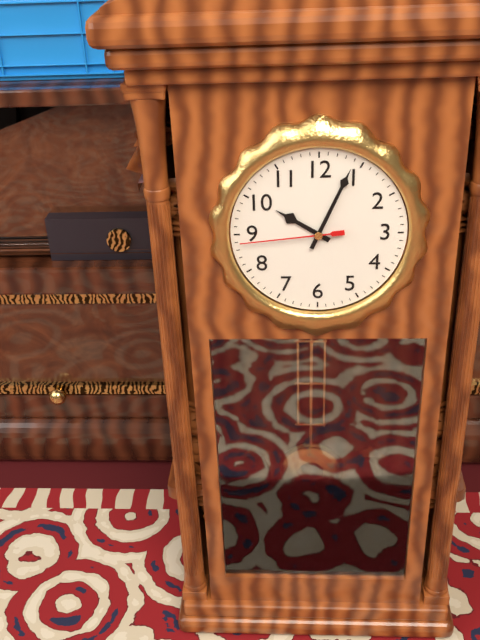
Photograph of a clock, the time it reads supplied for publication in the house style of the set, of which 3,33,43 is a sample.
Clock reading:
10,04,44
